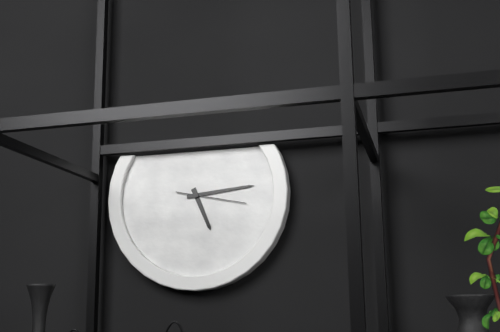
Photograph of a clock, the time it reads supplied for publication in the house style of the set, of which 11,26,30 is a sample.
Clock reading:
5,14,17
